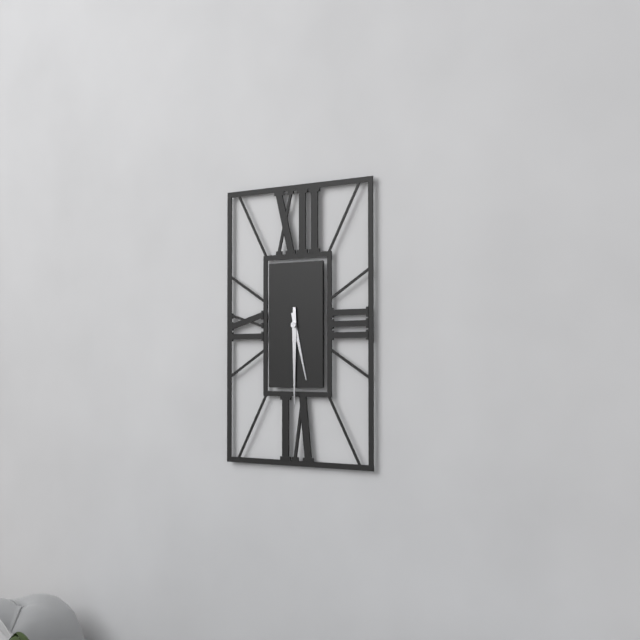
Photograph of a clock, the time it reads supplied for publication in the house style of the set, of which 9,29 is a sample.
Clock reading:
5,30
